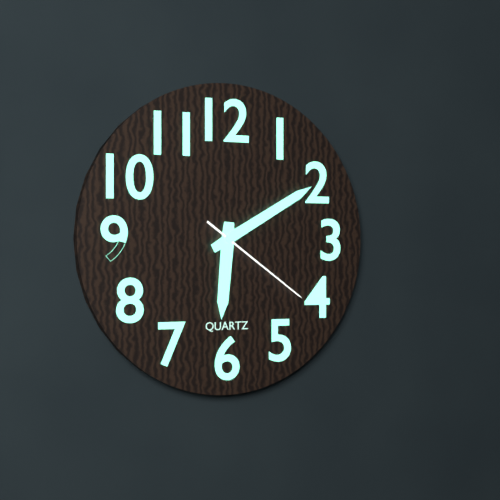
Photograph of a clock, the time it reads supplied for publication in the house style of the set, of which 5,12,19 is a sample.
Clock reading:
6,10,21
